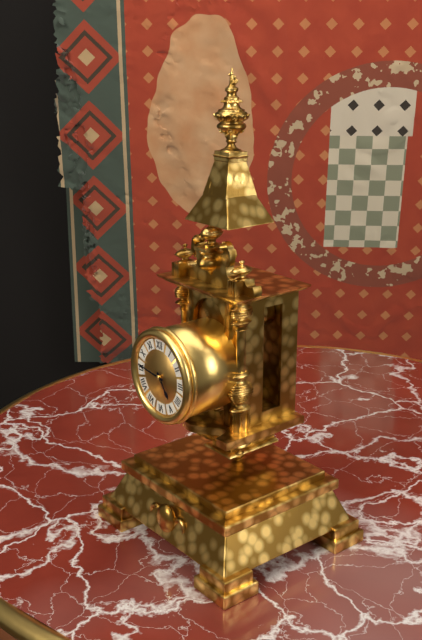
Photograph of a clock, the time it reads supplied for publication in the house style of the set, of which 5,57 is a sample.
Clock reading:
4,46
